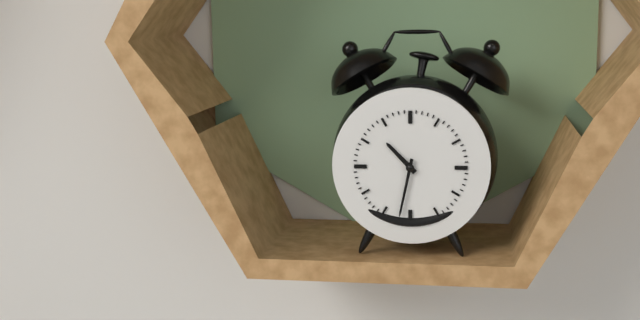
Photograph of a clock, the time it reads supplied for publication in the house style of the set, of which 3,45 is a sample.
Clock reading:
10,32
